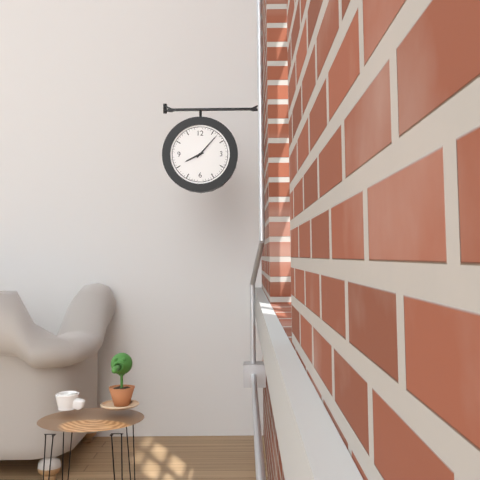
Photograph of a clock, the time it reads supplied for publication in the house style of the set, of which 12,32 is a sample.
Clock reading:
8,07
